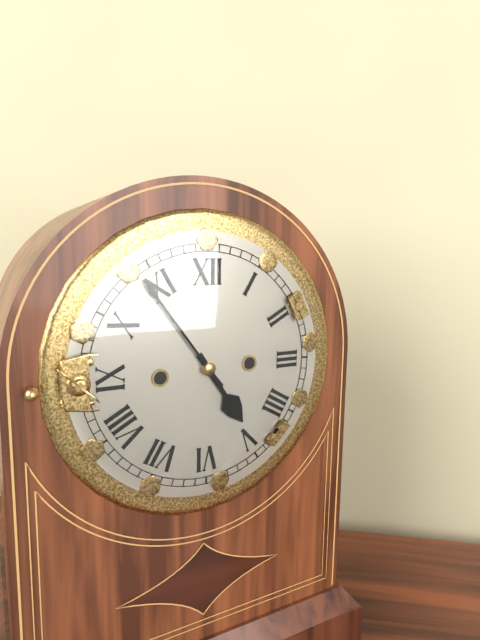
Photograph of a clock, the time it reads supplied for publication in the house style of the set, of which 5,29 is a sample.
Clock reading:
4,54
